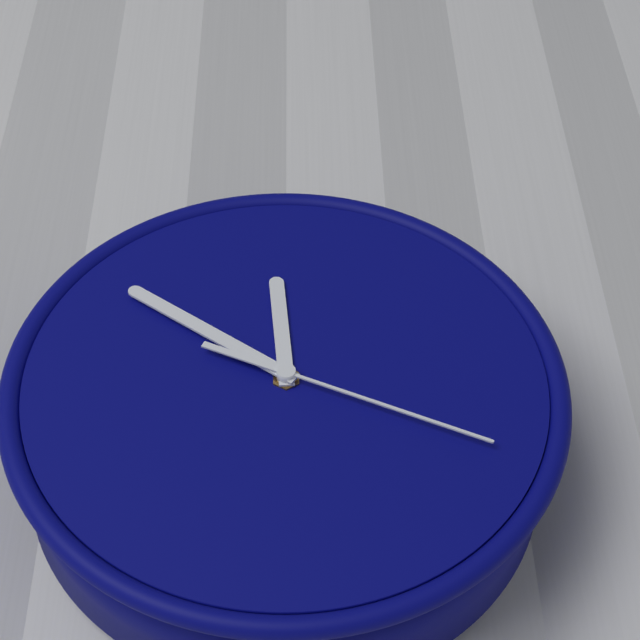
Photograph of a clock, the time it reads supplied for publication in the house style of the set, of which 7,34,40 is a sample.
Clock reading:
11,51,19
